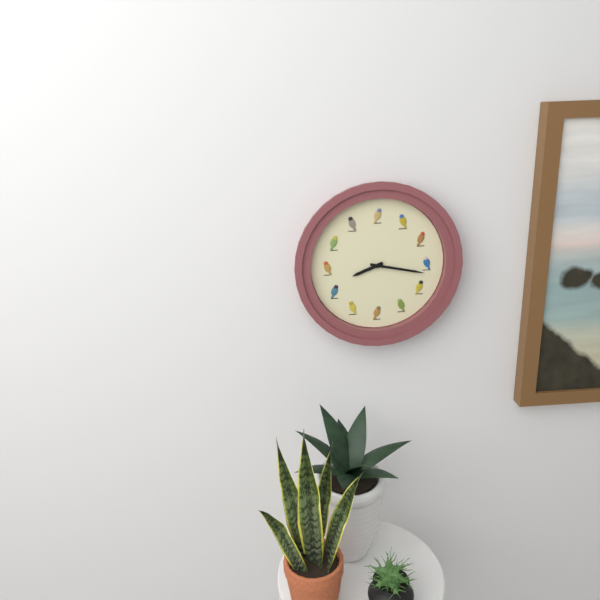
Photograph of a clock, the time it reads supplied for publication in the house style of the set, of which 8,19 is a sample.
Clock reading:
8,17
